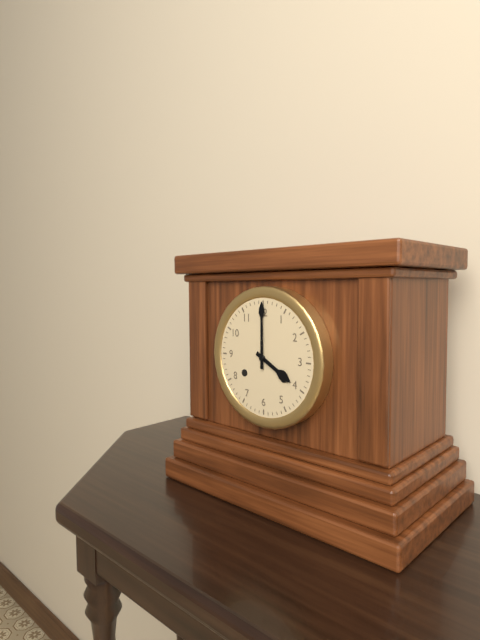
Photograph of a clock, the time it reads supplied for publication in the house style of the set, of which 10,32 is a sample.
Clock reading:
4,00
